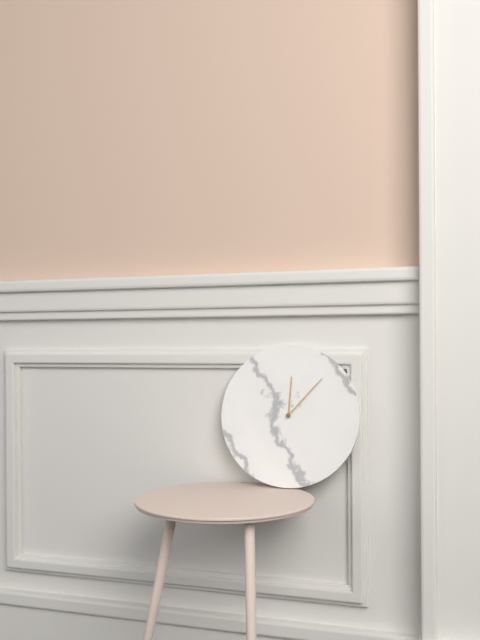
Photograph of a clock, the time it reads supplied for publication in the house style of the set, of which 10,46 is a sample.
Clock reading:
12,07
